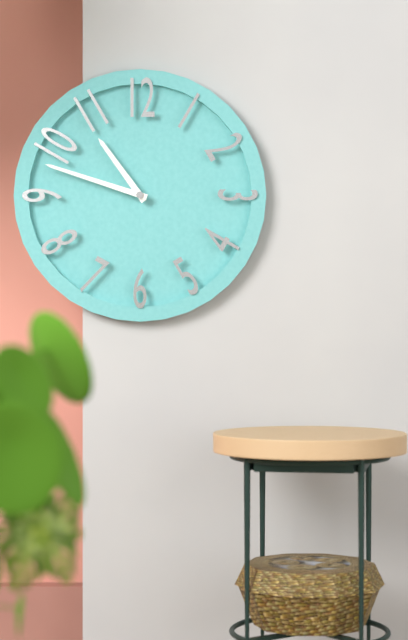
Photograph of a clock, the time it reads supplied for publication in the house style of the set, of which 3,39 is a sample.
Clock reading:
10,48
